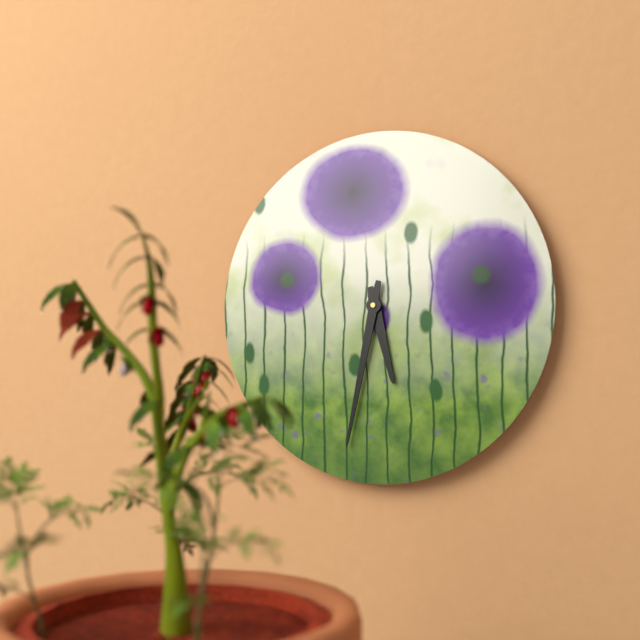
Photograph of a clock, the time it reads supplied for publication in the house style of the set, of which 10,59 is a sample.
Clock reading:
5,32
